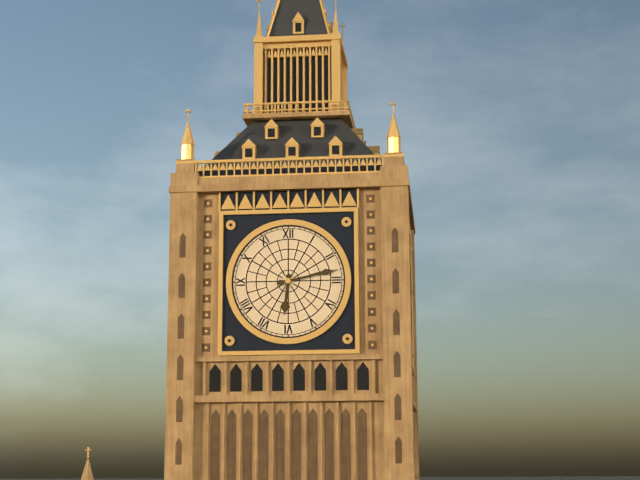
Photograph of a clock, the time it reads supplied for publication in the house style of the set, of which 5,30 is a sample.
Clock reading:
6,13
